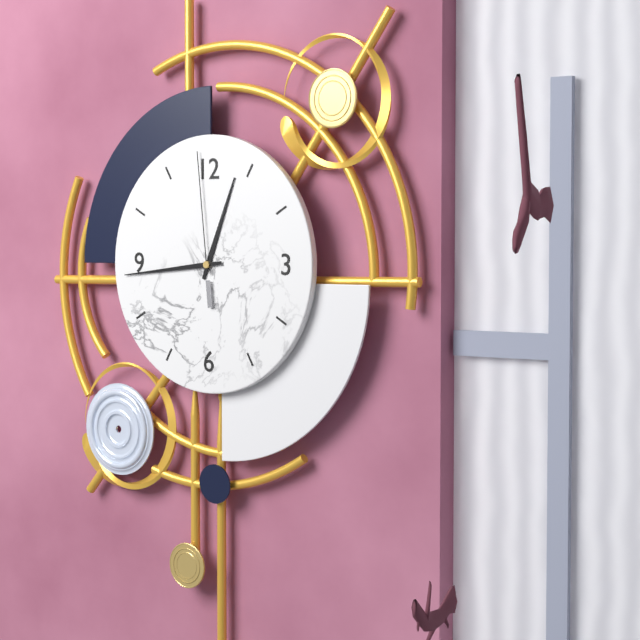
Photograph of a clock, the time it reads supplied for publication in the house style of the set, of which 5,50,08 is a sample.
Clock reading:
12,44,59
